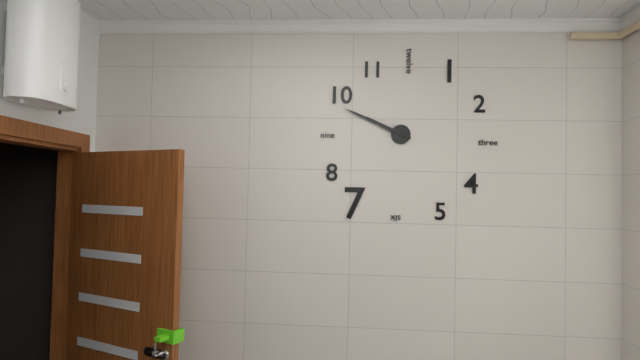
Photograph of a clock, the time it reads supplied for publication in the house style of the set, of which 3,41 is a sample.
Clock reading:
9,49
